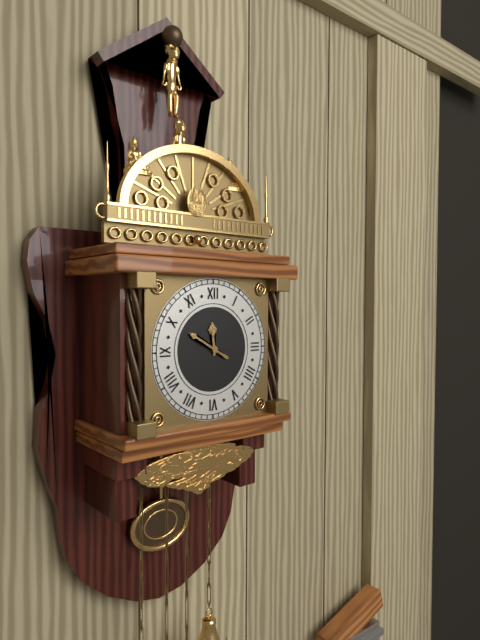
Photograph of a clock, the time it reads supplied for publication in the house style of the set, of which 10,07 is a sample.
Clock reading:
11,50
